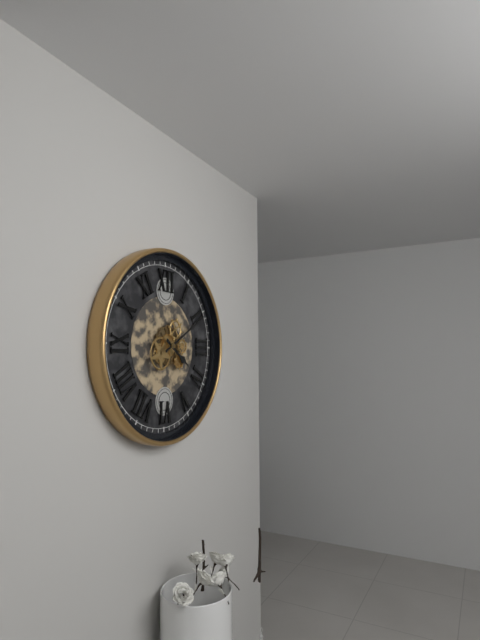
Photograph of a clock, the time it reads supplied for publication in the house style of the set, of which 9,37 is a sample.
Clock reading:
4,10
